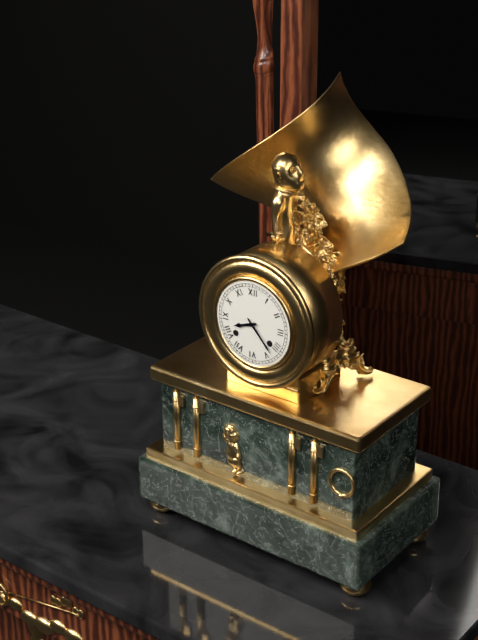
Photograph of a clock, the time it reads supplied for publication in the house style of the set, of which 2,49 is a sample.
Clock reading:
8,23
